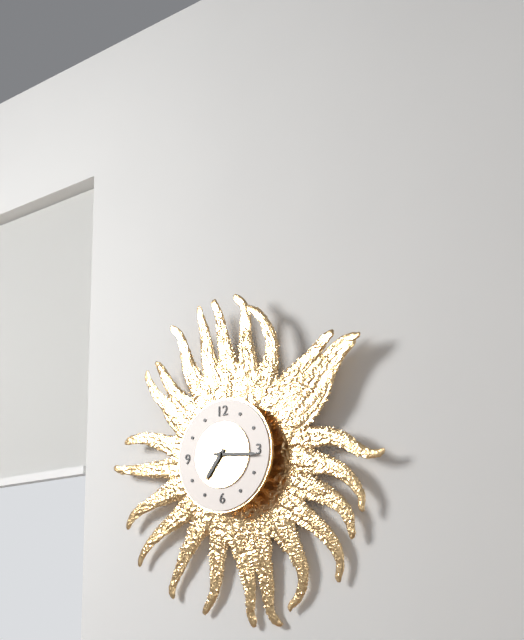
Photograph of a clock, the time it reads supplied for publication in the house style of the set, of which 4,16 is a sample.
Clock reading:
7,16
